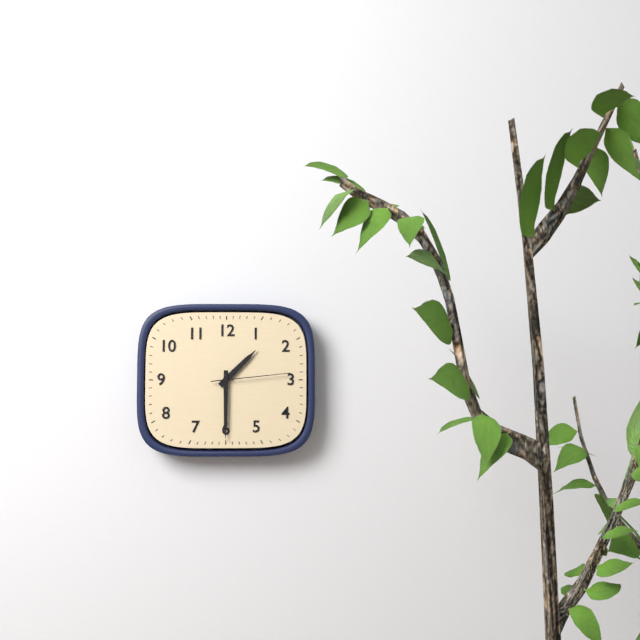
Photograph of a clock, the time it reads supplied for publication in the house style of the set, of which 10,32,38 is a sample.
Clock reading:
1,30,14
